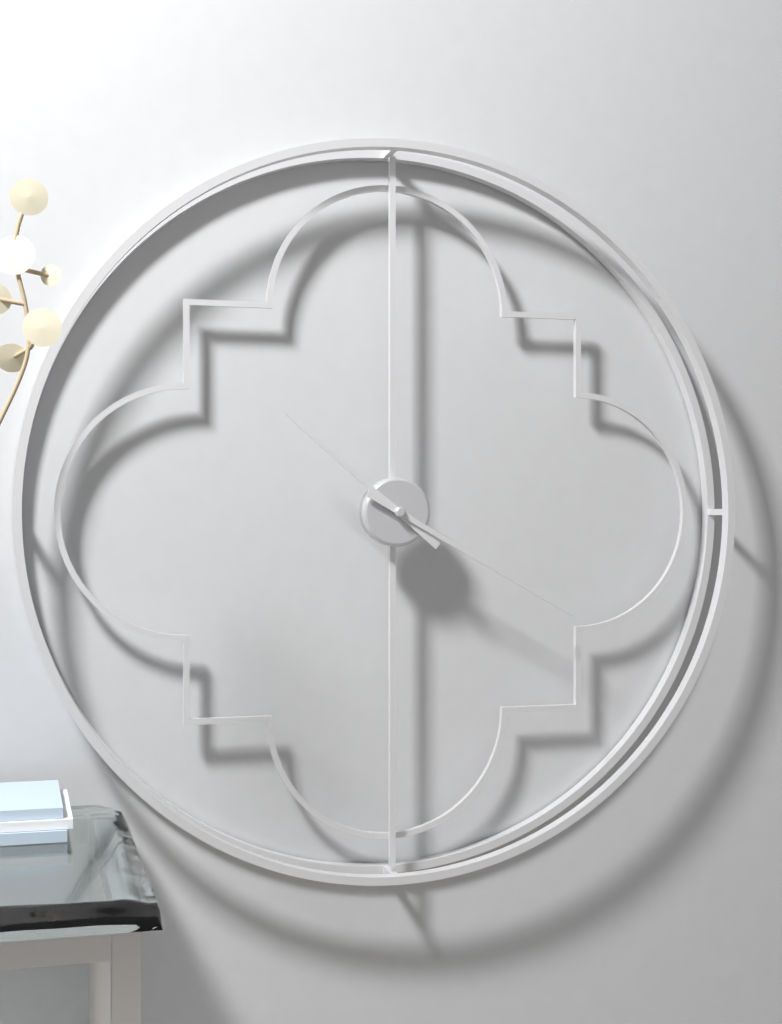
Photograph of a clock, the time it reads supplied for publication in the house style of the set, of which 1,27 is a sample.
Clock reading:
10,20
